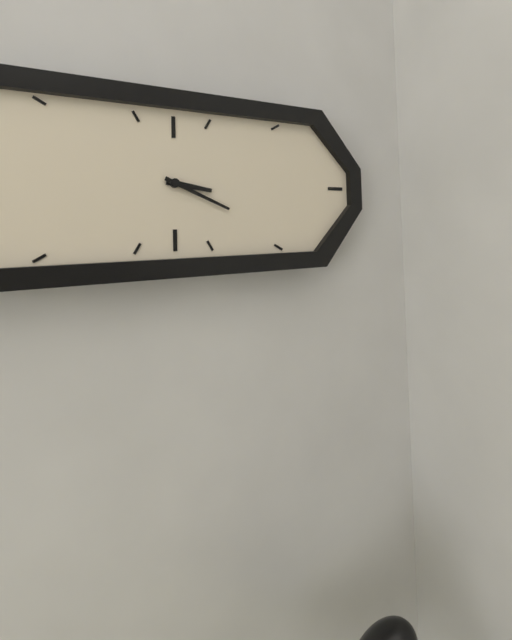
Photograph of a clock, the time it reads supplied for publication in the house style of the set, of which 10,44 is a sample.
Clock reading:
3,19
